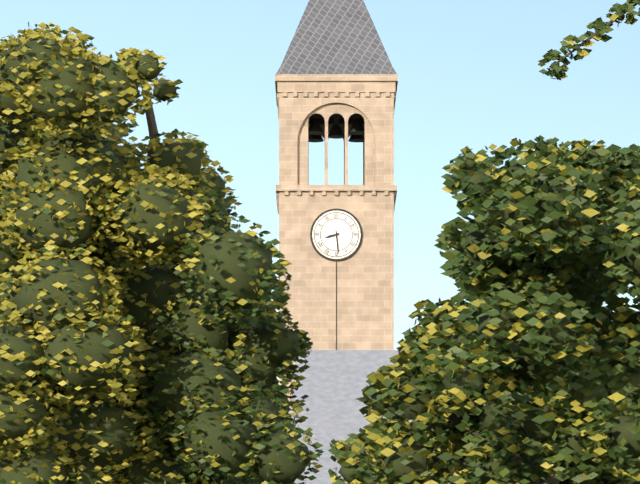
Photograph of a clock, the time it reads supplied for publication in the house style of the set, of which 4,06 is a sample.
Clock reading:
8,29
